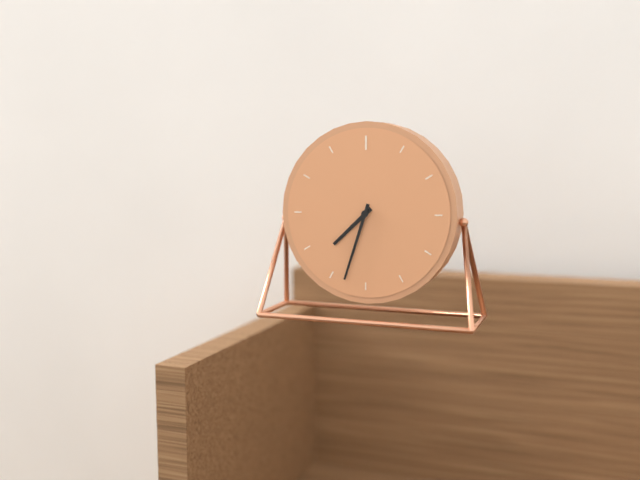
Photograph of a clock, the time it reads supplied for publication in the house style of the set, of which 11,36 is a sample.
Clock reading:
7,33
